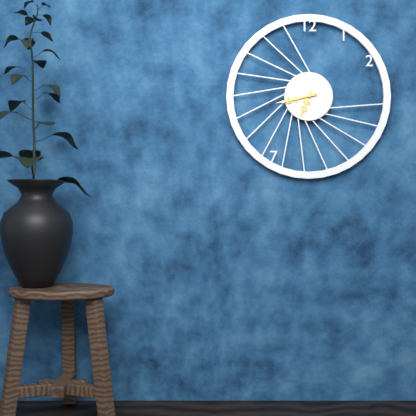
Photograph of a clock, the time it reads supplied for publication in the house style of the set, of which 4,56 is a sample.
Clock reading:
6,43
